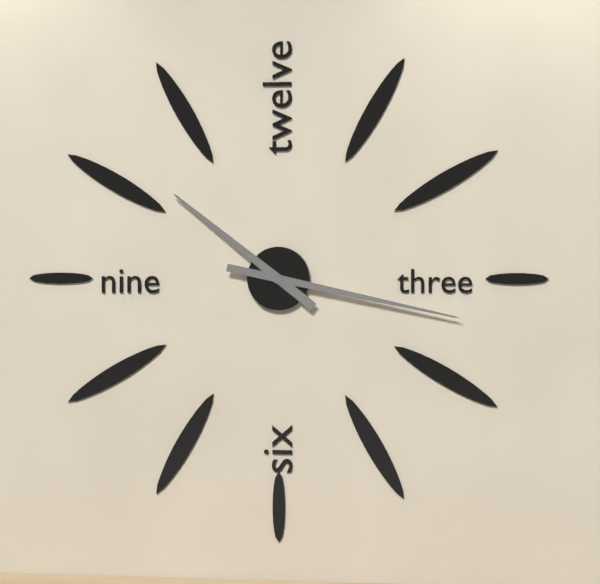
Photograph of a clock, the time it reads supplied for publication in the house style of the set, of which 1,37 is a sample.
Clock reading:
10,17
